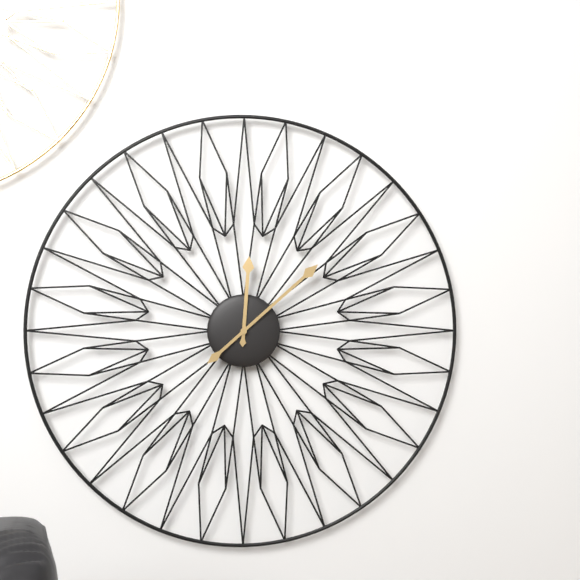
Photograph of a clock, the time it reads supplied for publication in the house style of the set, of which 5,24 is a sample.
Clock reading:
12,08
